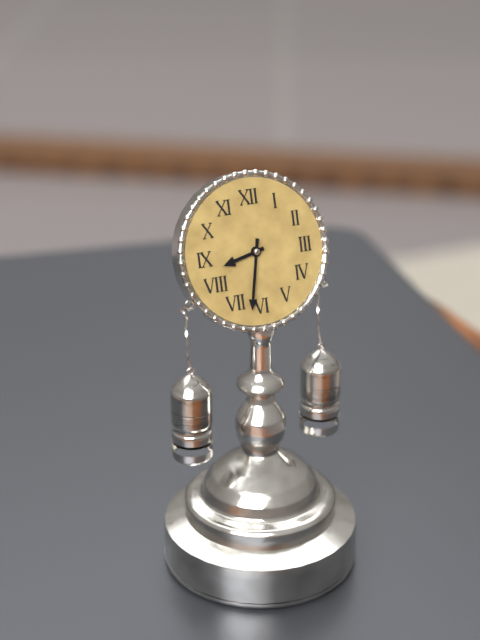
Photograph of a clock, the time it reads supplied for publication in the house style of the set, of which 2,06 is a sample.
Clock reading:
8,32
